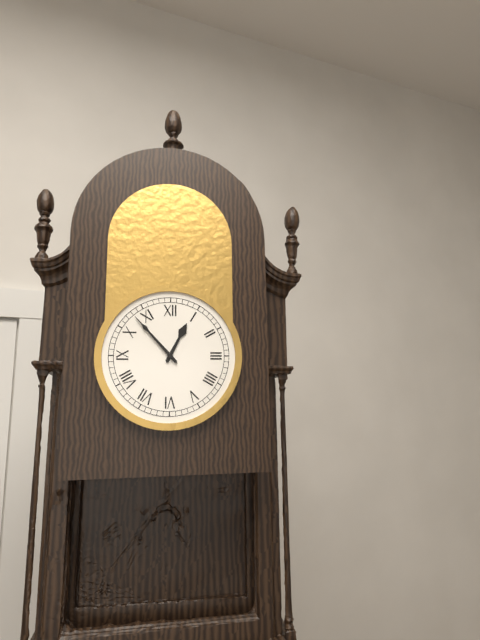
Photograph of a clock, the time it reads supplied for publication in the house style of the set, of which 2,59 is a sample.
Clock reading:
12,53
